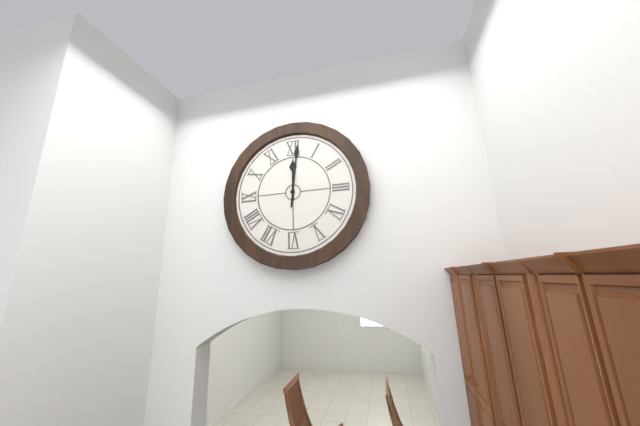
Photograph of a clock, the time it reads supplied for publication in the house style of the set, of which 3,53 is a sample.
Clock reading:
12,01
